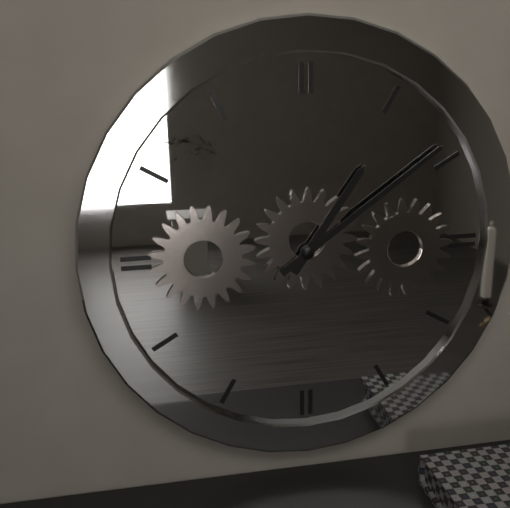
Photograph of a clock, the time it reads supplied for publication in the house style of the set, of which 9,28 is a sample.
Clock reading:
1,09
